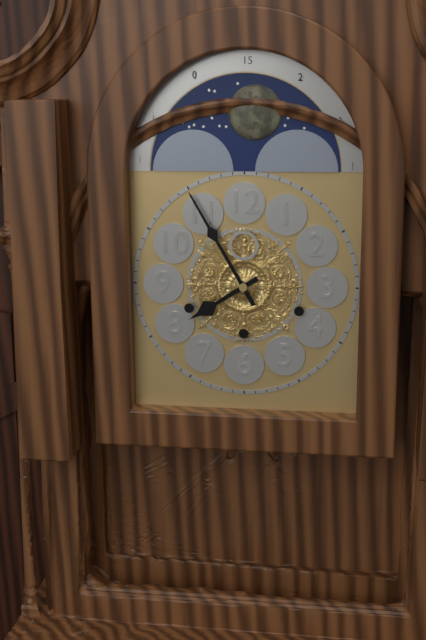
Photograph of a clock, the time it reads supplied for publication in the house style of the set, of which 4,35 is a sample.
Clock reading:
7,55
